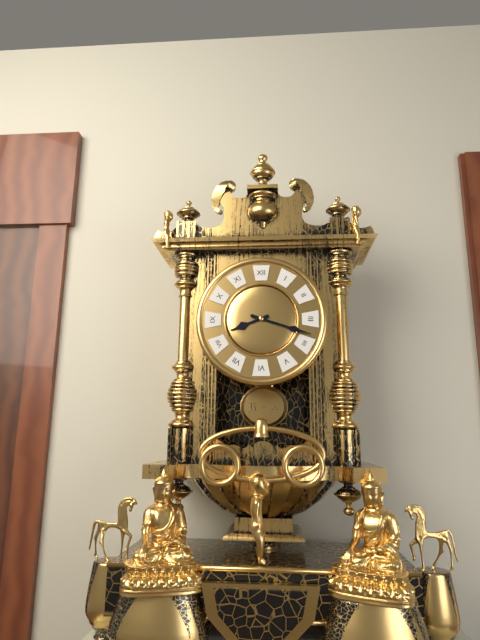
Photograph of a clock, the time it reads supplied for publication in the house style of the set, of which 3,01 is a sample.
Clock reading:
8,18
